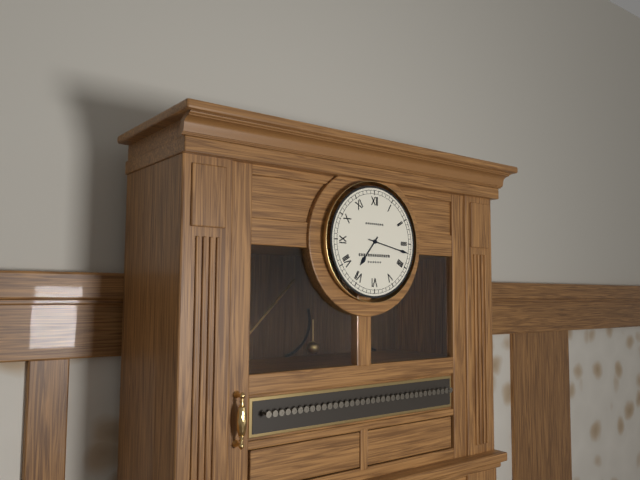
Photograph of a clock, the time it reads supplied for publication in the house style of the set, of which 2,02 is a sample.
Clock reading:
7,17
